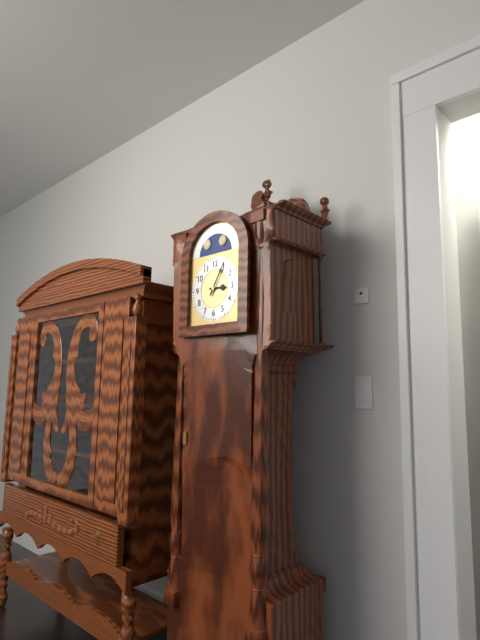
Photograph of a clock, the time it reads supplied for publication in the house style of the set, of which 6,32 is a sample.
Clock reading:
3,05
